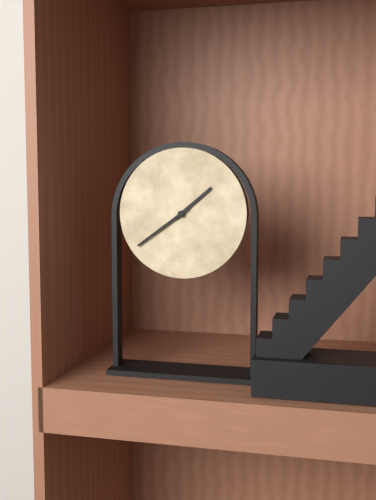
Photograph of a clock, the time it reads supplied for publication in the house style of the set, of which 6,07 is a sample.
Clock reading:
1,39
